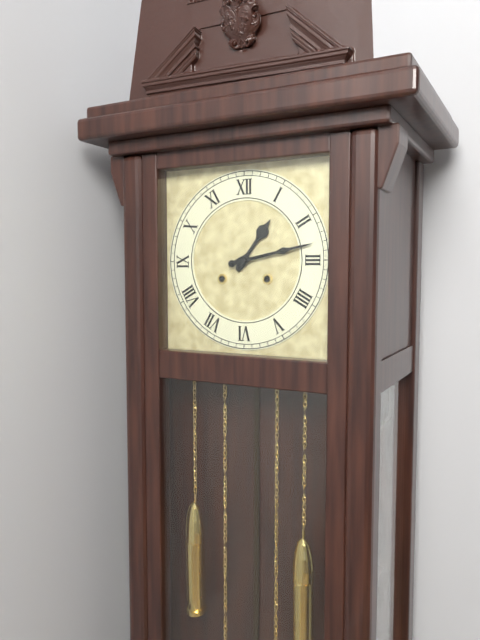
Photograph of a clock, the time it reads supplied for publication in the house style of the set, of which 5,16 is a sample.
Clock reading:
1,13
